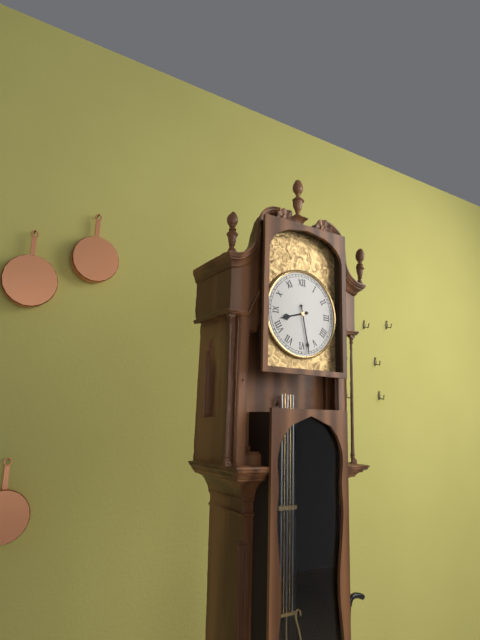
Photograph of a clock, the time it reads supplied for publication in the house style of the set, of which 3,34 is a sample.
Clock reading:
8,28
